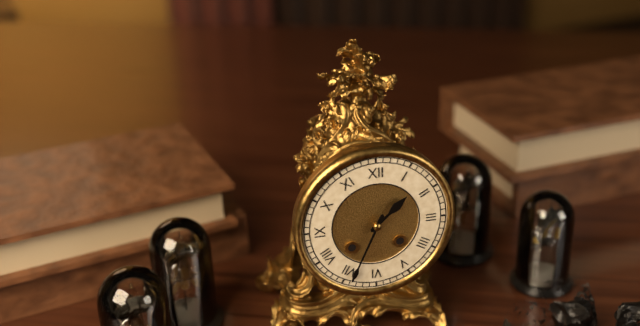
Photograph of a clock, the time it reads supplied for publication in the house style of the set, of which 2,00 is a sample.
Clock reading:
1,34
